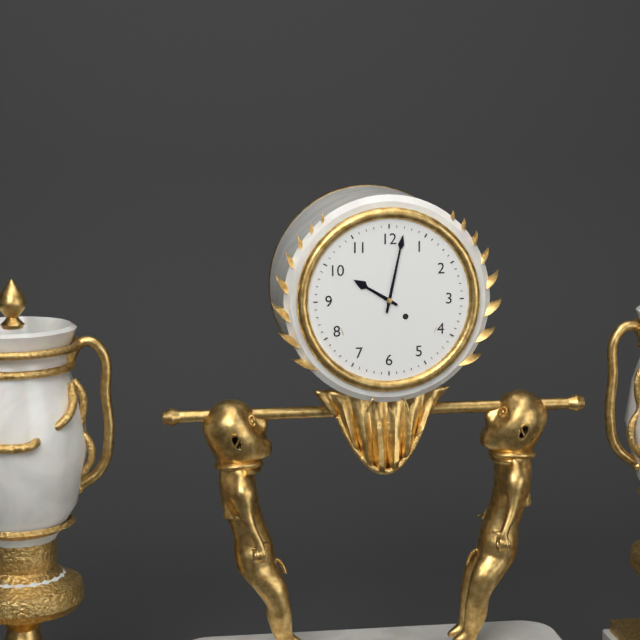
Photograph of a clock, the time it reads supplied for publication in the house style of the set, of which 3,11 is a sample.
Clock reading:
10,02
